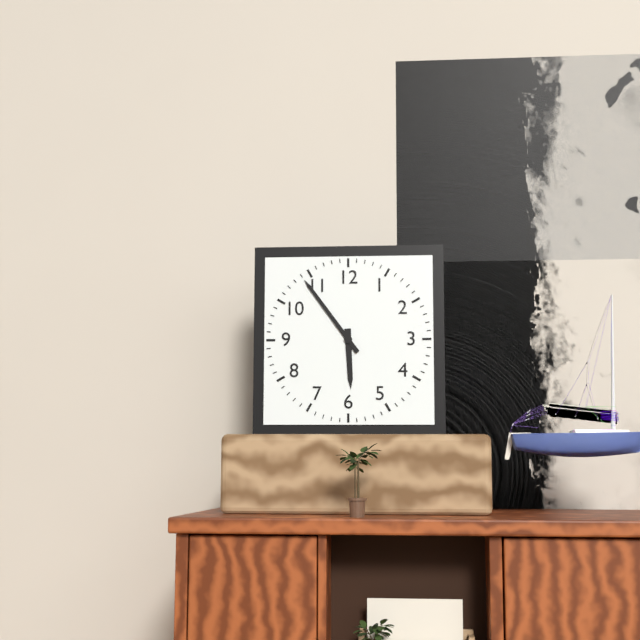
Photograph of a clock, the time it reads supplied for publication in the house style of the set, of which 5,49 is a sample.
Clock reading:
5,54
